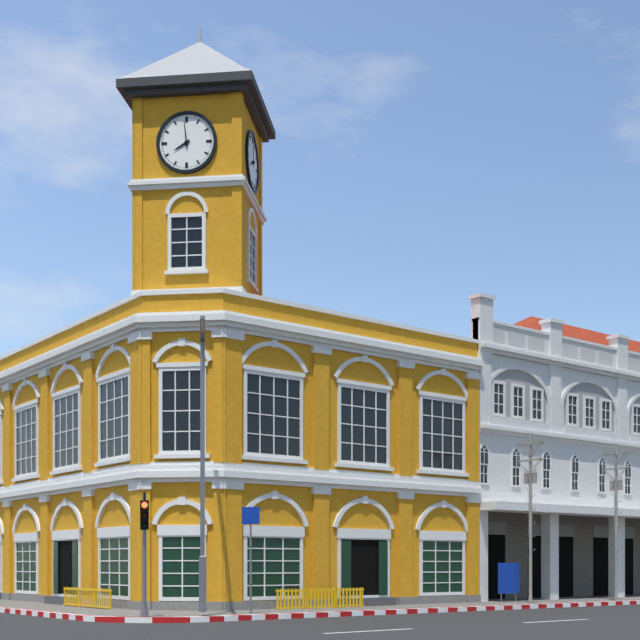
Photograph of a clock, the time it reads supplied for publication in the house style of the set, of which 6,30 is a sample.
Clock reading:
7,59
